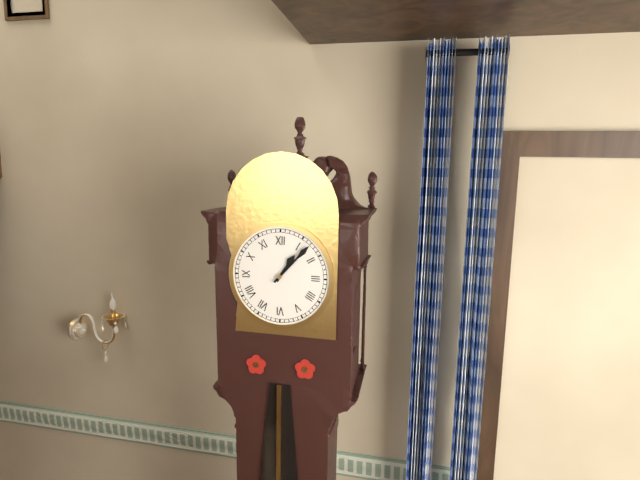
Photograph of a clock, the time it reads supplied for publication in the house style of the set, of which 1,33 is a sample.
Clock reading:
1,07
